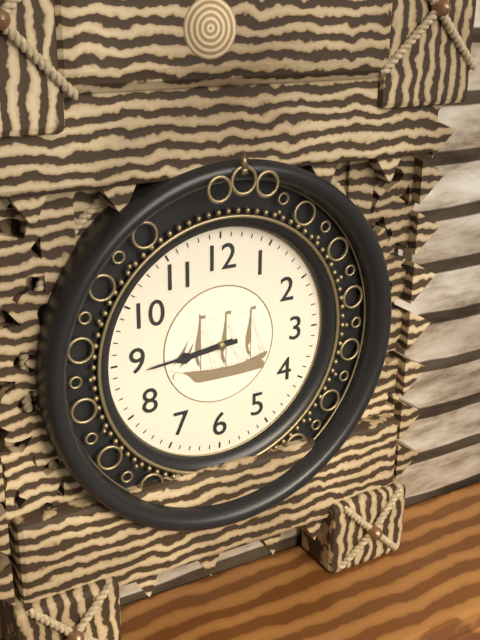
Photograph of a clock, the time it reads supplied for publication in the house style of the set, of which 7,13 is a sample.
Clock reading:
8,44
